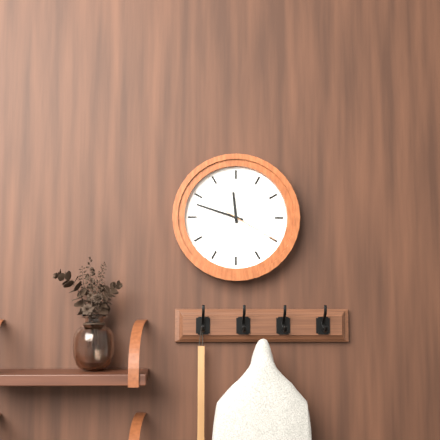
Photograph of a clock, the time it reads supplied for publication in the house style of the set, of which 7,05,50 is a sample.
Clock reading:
11,48,20
